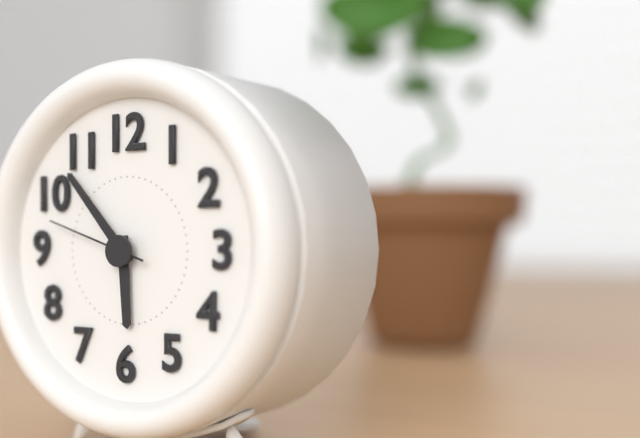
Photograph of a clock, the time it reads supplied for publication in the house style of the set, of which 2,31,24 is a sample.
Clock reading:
5,53,48
